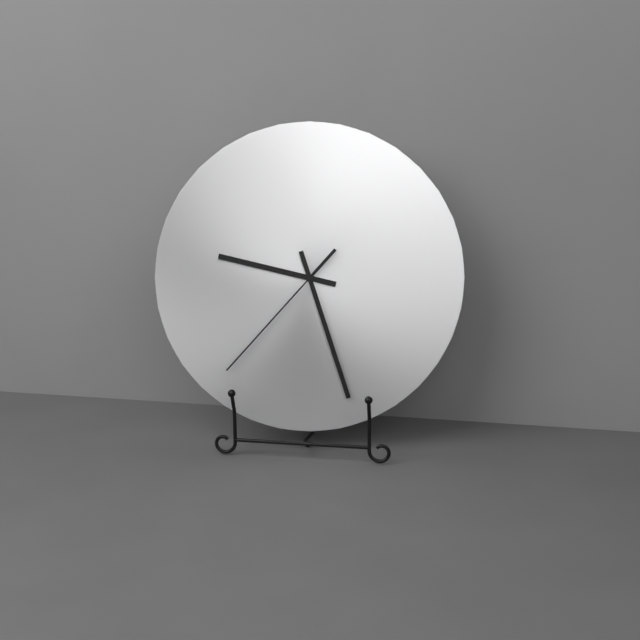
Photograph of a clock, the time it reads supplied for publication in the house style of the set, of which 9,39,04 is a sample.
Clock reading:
9,27,37
